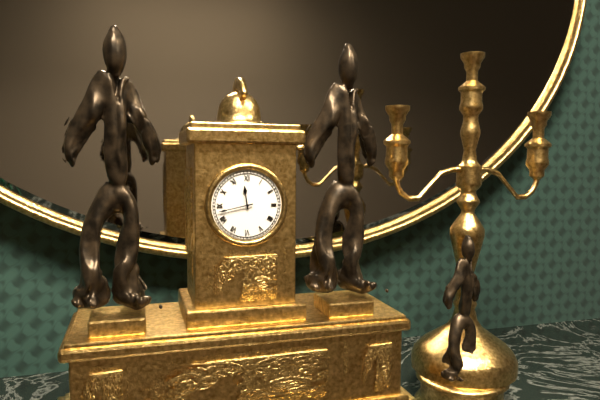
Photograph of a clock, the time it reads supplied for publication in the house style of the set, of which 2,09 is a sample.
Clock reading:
11,43
